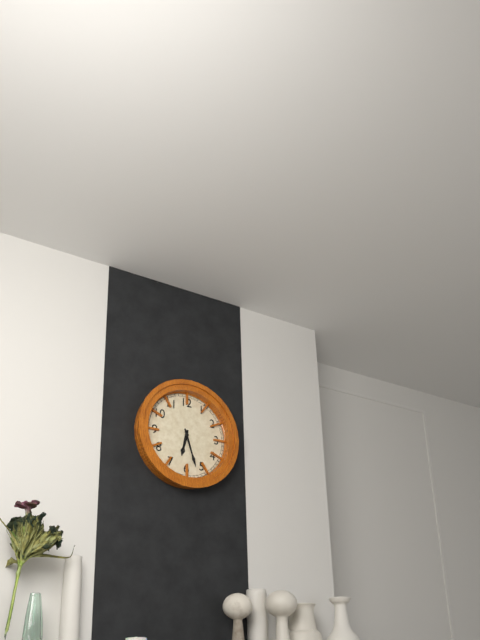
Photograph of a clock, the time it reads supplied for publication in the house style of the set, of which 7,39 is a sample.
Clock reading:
6,27
